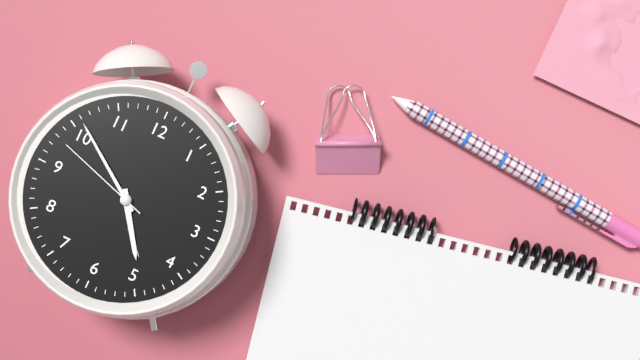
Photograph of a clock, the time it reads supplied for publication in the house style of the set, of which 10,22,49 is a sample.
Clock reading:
4,51,48
